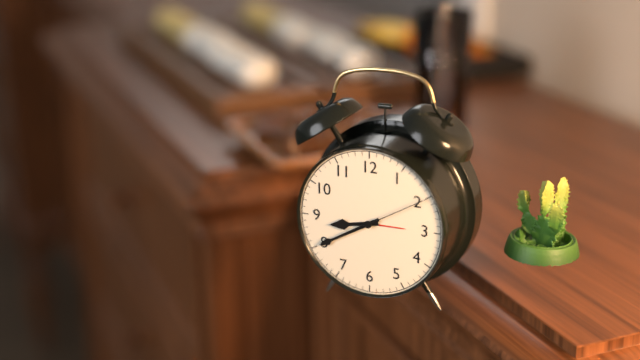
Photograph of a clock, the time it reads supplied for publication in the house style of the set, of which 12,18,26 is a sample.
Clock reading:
8,40,10
